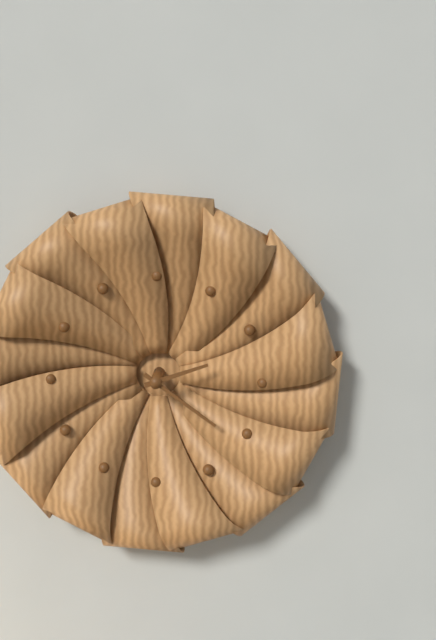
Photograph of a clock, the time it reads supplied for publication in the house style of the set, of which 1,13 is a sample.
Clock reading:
2,21
